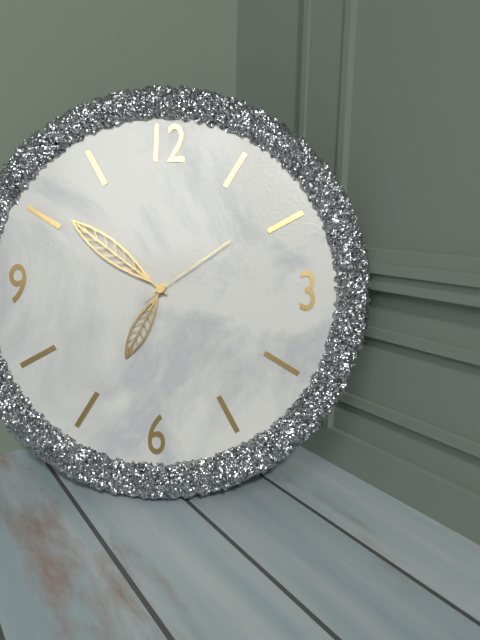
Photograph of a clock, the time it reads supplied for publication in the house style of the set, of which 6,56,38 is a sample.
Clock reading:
6,51,09
